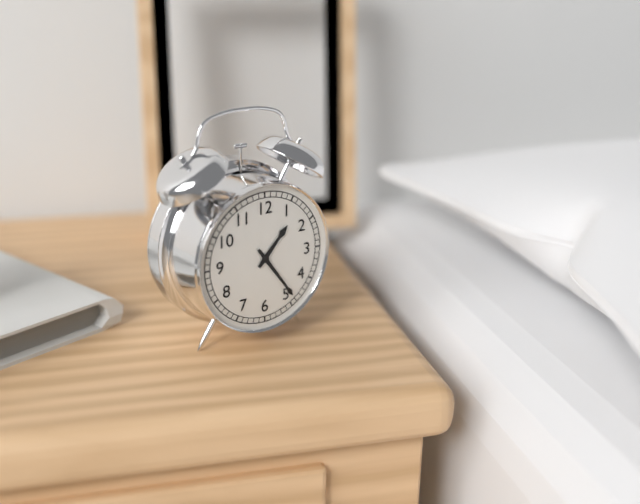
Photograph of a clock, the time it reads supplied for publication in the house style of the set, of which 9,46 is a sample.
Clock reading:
1,24
